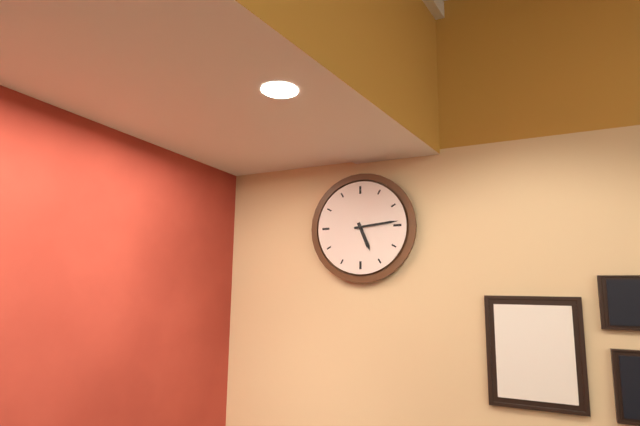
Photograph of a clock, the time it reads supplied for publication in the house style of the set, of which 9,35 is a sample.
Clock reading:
5,14
